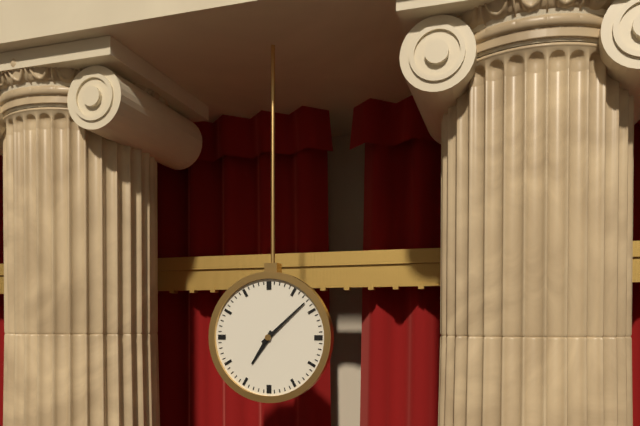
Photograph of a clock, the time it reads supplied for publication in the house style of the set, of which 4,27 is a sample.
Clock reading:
7,08
